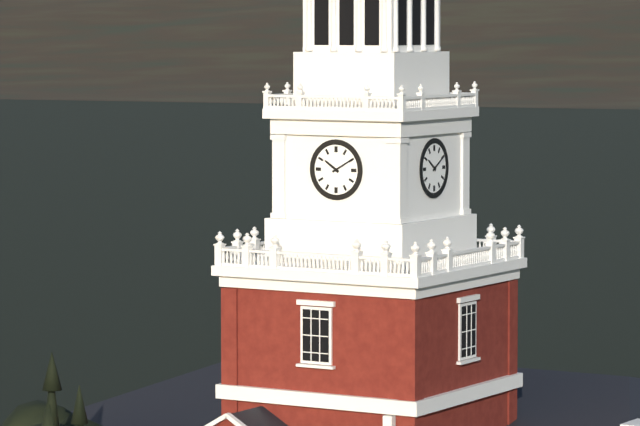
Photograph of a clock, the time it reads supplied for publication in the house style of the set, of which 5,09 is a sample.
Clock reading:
10,10
